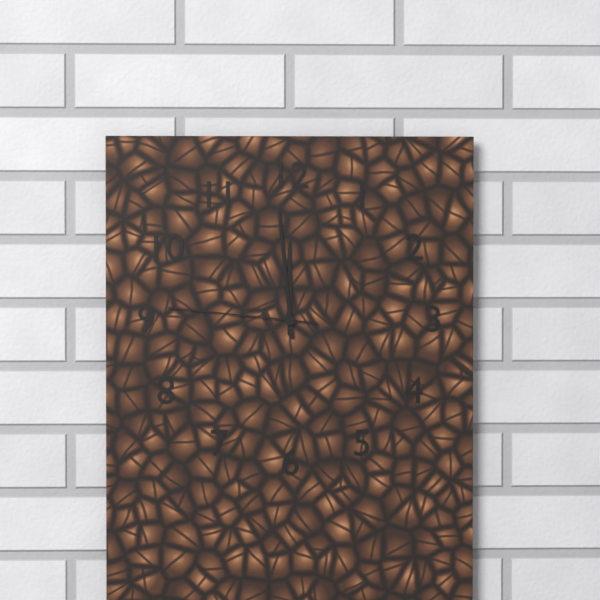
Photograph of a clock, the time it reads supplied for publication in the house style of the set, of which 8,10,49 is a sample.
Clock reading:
11,59,46
